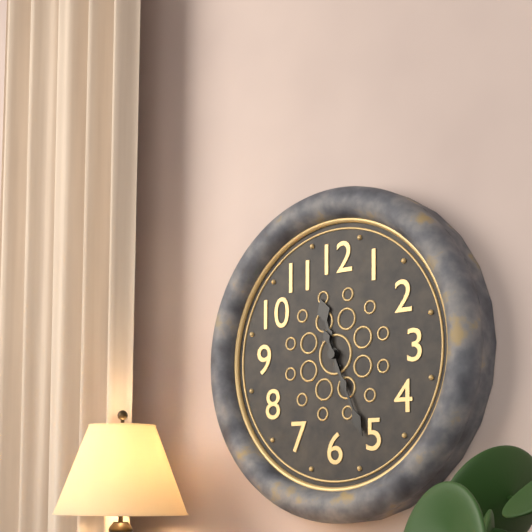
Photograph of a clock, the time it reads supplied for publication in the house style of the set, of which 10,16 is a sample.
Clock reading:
11,26
